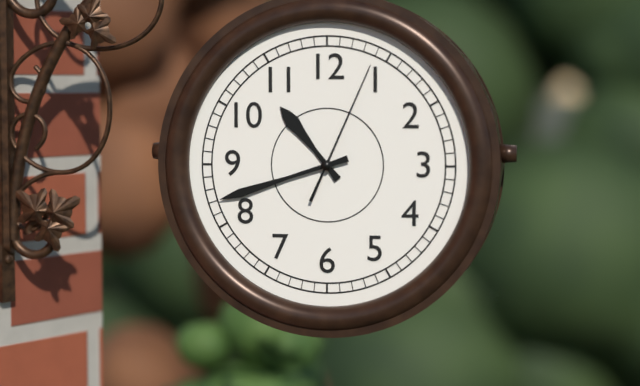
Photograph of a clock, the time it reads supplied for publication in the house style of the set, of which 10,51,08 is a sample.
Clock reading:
10,42,04
